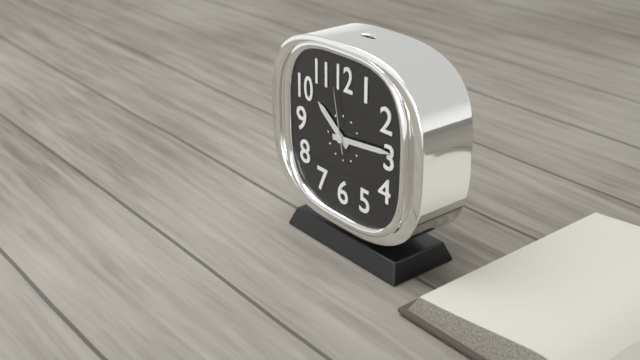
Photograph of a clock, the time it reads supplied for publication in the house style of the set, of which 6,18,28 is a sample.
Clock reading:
10,14,58
